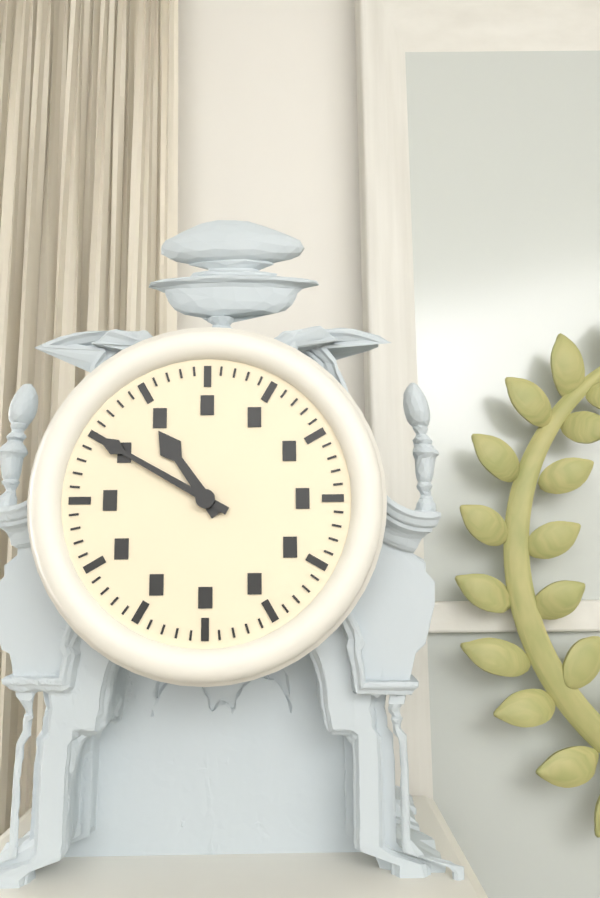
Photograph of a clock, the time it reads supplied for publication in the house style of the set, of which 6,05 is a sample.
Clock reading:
10,50
